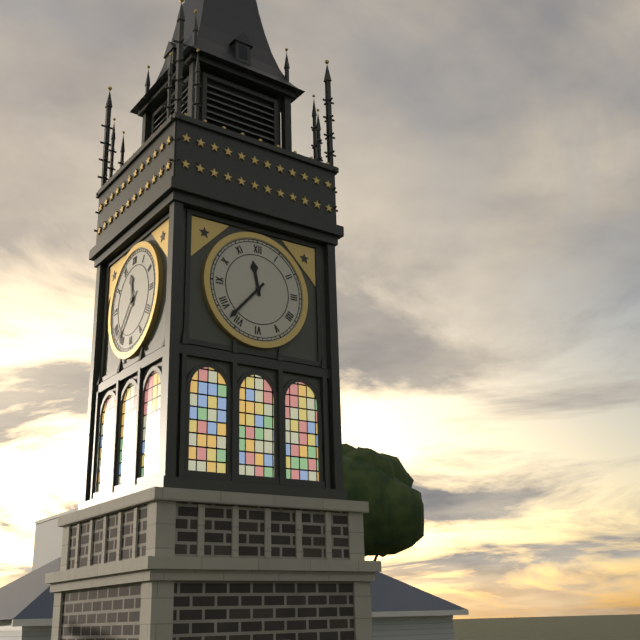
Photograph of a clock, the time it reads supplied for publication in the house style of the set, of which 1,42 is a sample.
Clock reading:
11,37
